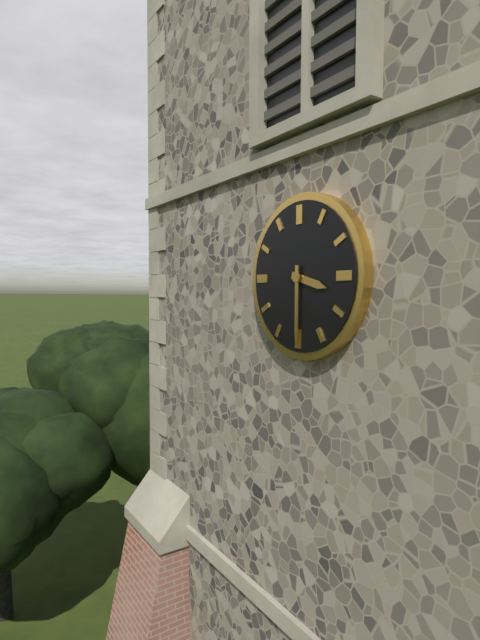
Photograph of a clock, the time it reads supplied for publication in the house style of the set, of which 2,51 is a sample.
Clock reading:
3,30
